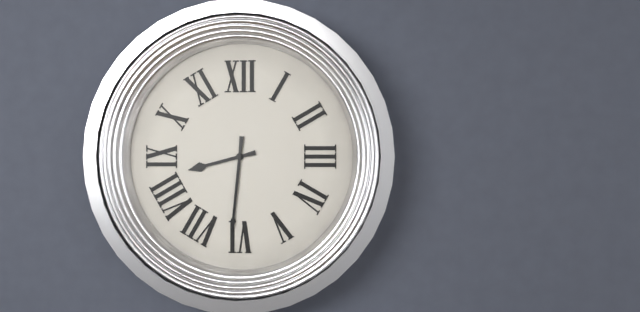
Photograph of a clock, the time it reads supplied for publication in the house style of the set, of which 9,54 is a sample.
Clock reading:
8,31
